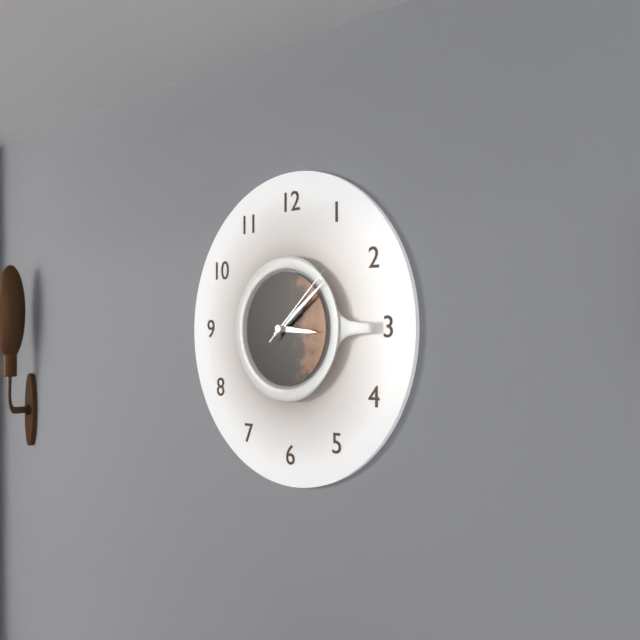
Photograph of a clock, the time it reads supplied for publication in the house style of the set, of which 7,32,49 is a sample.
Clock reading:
3,09,08
